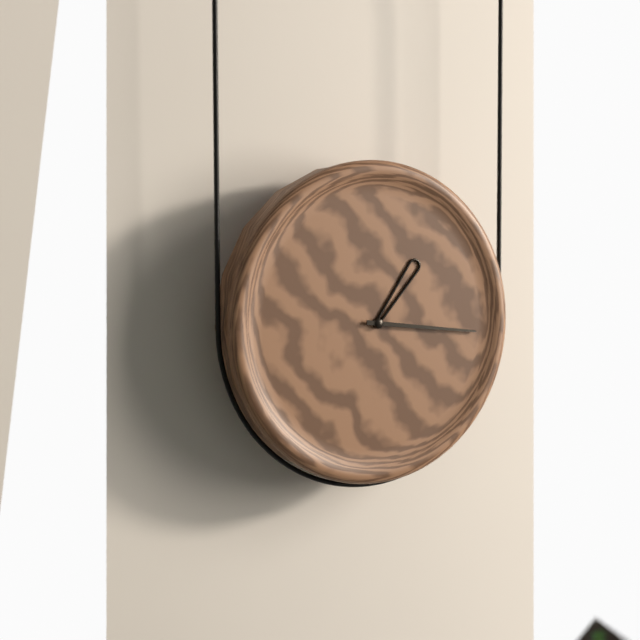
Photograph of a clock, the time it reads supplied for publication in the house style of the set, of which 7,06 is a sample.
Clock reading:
1,16
